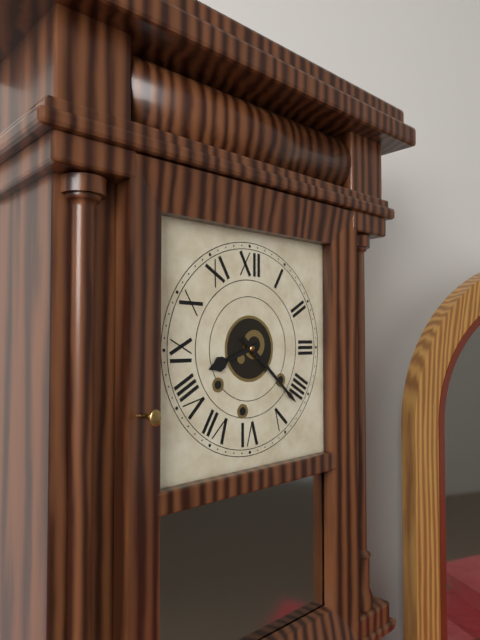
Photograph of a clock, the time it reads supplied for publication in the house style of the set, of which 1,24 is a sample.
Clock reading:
8,22
